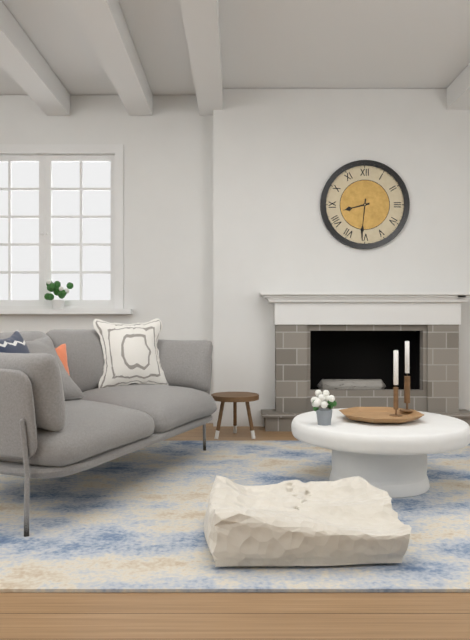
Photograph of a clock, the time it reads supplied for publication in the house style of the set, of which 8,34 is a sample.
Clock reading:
8,31
